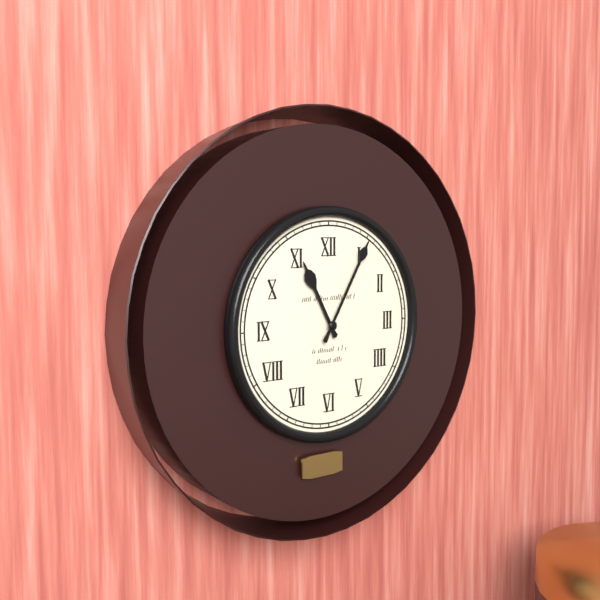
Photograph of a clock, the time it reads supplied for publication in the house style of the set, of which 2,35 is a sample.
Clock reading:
11,05
